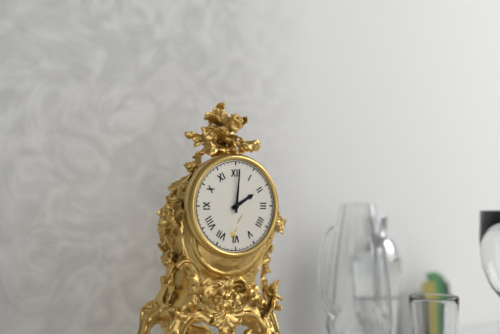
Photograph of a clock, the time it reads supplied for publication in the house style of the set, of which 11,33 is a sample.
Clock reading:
2,01
